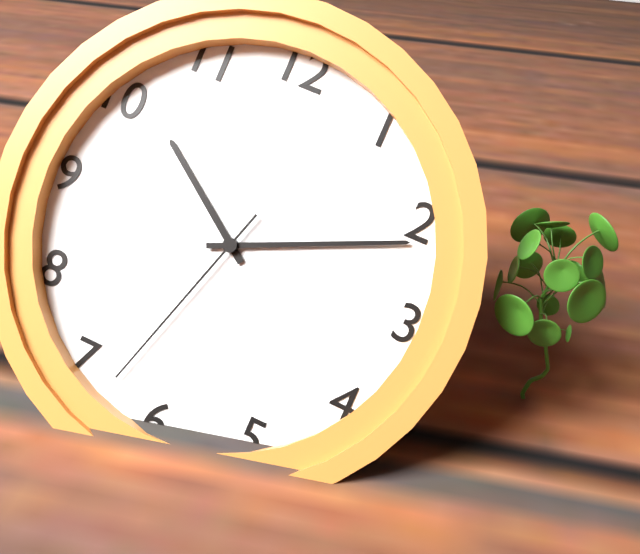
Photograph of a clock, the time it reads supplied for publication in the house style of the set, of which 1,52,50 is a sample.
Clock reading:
10,11,33
